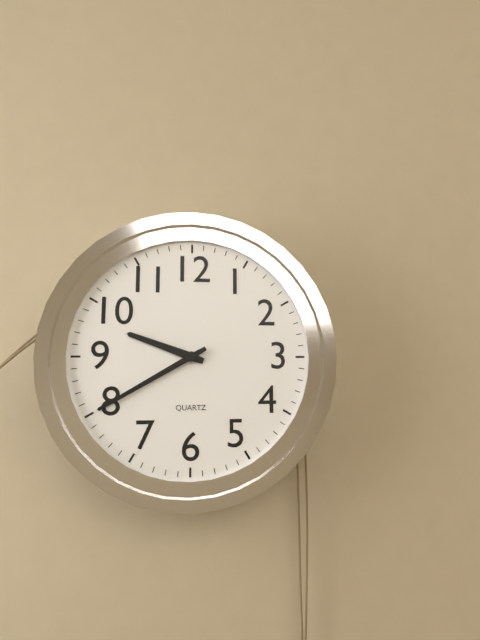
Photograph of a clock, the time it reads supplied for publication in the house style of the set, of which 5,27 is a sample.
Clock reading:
9,40
